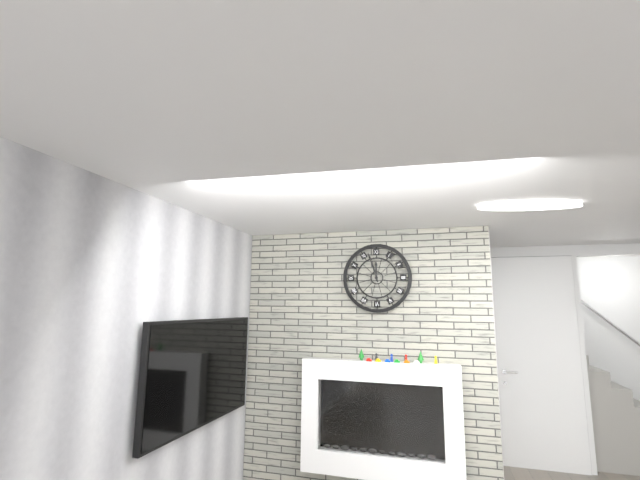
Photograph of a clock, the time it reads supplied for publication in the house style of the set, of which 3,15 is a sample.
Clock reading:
11,57
